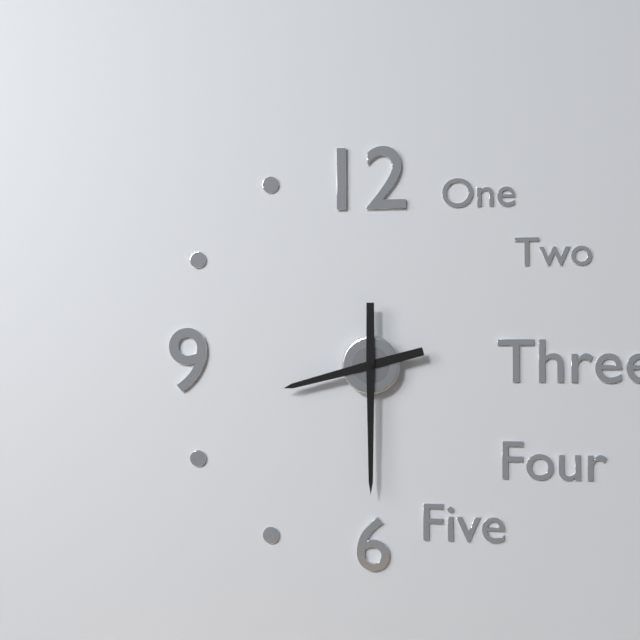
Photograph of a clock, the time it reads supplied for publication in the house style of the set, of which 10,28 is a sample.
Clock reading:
8,30
